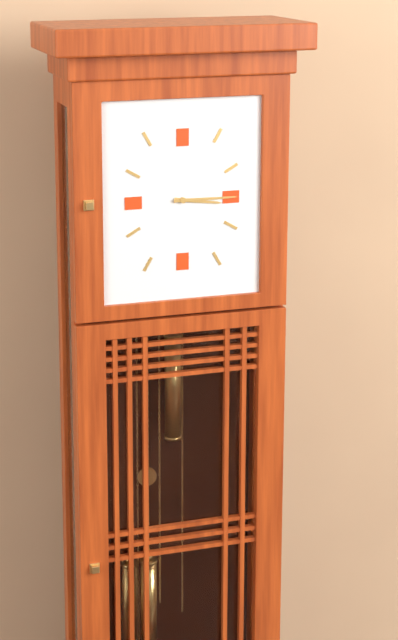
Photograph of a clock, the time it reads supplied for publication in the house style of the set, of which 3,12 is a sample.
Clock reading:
3,15
